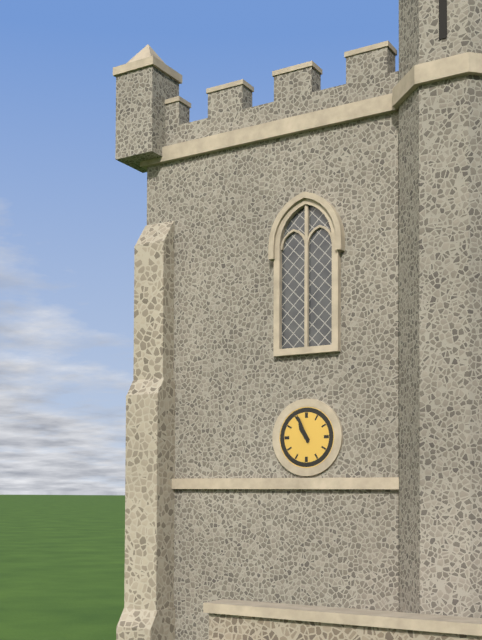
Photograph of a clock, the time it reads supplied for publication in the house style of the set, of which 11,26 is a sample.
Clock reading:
10,56
